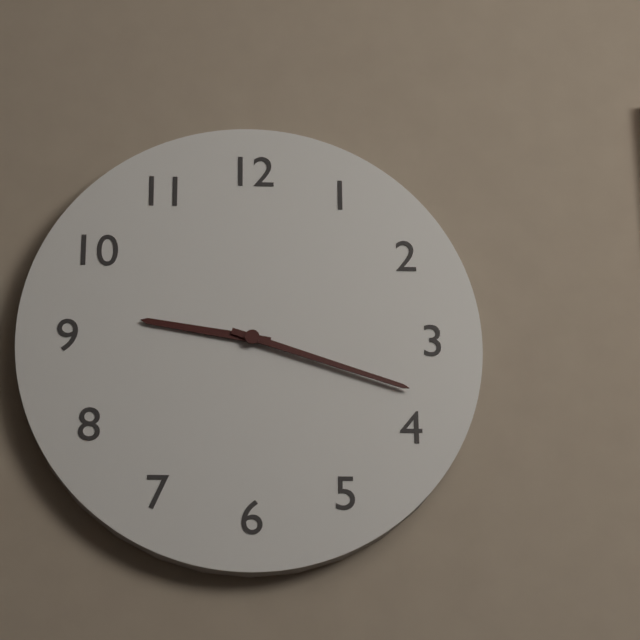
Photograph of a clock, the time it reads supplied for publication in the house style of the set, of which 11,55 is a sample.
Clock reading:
9,18
